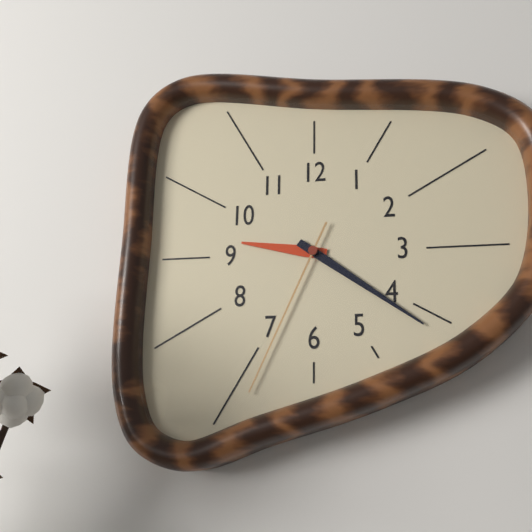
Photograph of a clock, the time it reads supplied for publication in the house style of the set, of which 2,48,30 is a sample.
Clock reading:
9,21,34
